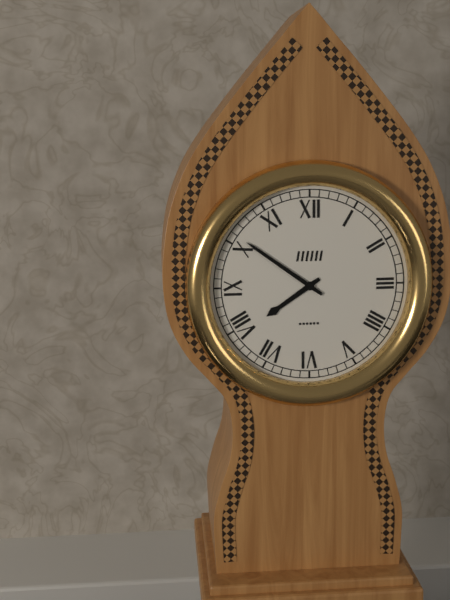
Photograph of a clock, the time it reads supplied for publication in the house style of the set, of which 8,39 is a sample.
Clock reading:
7,51
